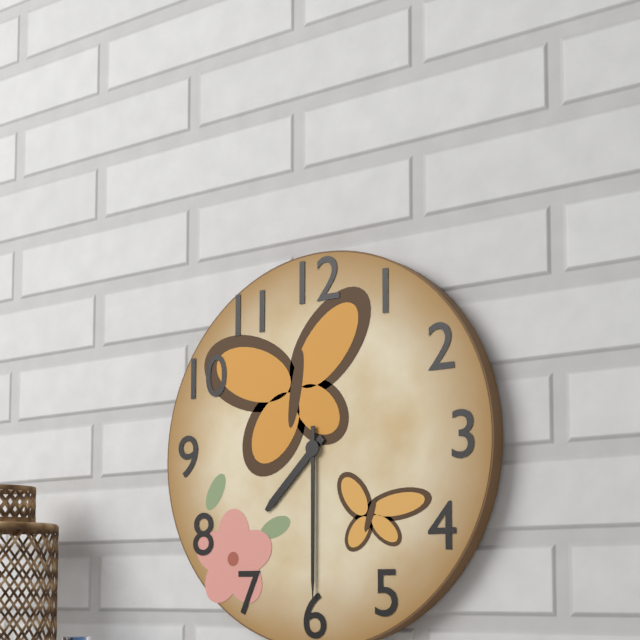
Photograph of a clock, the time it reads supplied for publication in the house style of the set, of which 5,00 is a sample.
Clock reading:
7,30
